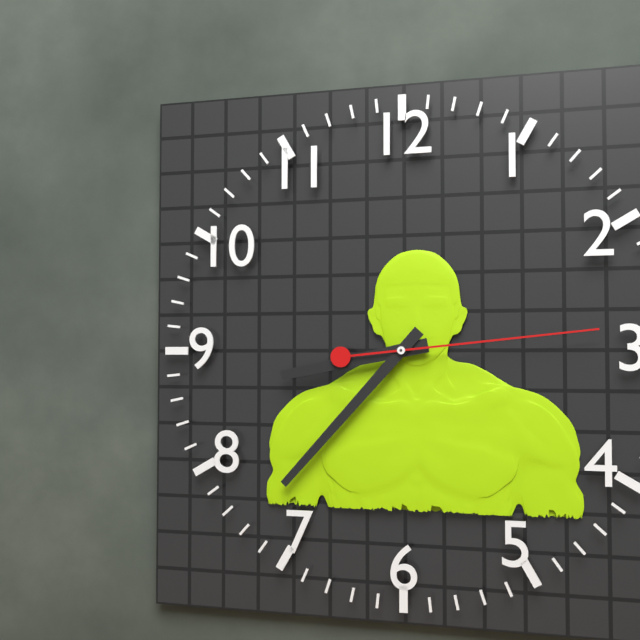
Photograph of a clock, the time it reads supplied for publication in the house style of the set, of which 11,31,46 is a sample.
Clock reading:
8,37,14
